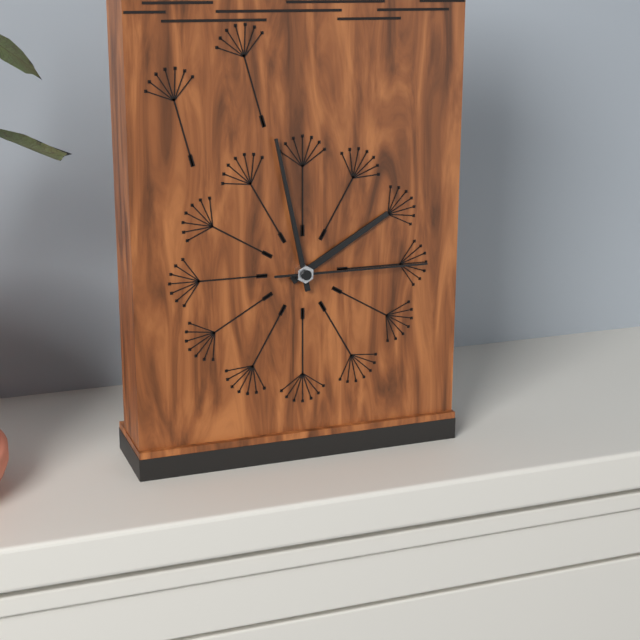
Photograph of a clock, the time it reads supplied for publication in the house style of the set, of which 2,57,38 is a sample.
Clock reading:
1,58,15
